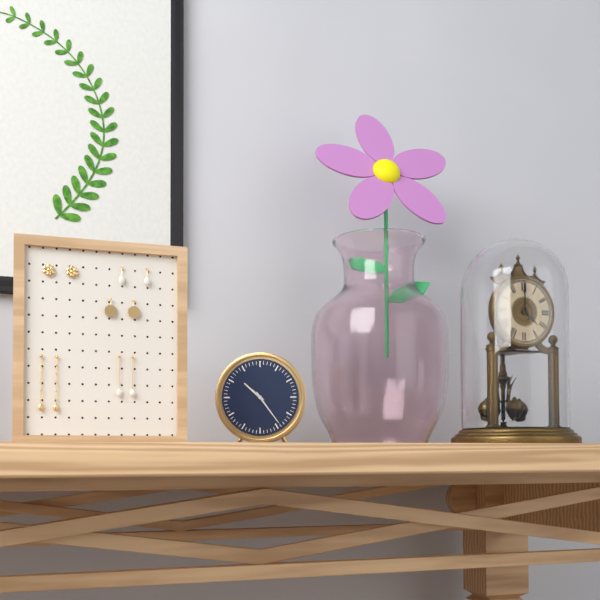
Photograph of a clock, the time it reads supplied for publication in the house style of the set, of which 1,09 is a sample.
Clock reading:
10,24
